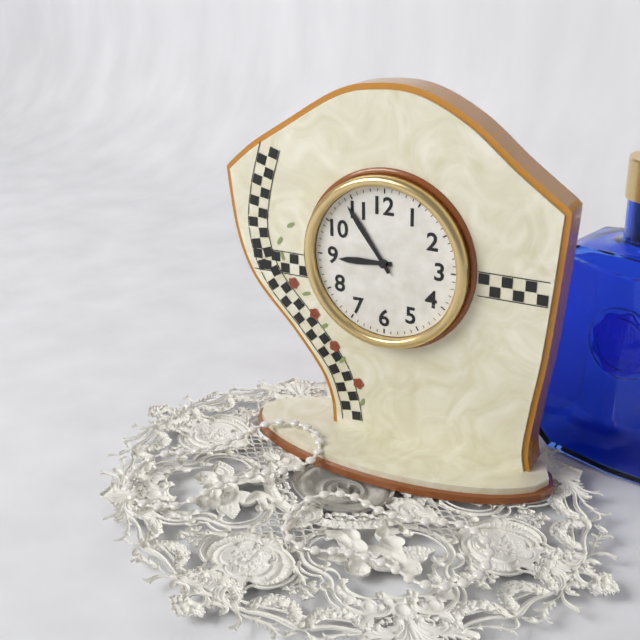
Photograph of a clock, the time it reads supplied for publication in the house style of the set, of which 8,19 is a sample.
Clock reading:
8,54
